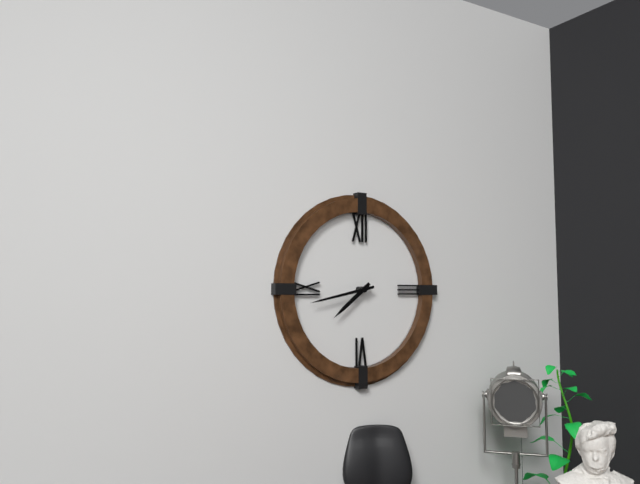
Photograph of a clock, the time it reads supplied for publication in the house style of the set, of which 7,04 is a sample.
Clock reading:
7,43
